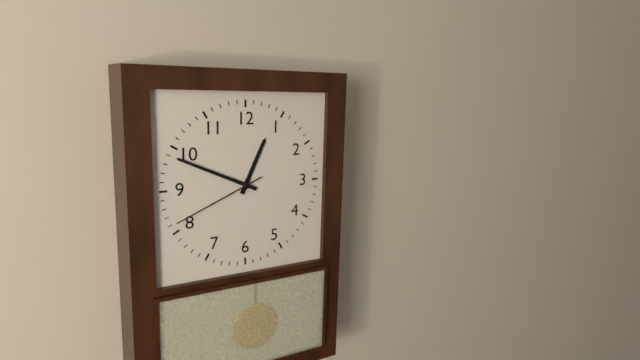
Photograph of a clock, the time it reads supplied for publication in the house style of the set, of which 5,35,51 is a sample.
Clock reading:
12,49,41
